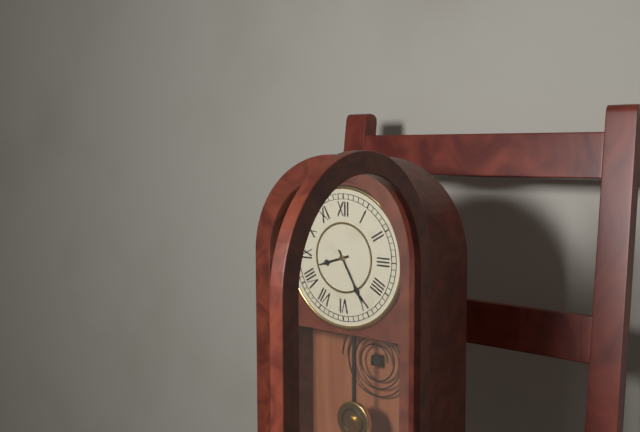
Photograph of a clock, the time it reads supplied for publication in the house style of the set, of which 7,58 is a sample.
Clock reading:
8,25
